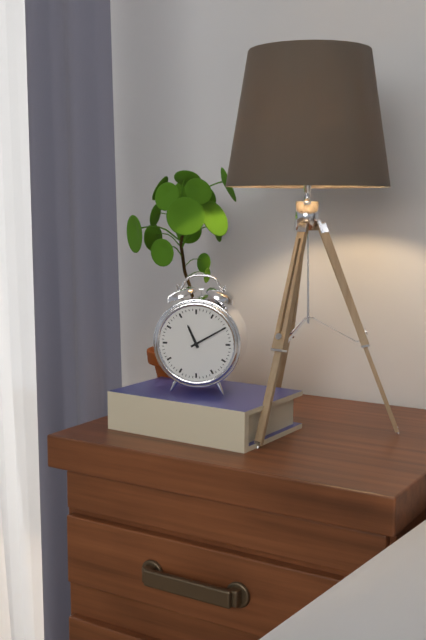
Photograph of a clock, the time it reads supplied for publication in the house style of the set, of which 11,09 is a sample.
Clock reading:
11,10
